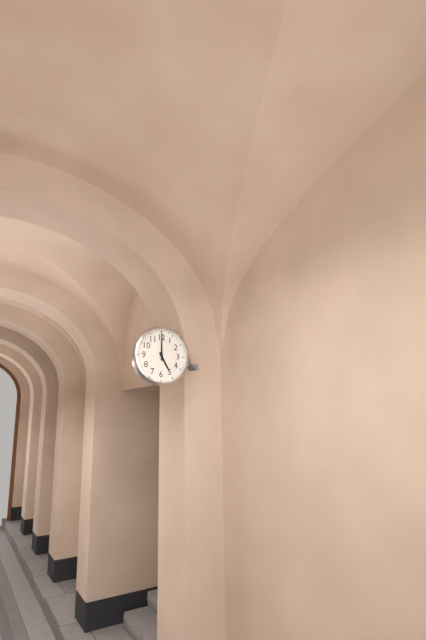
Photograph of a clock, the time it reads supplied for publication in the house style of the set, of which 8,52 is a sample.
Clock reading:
5,00
